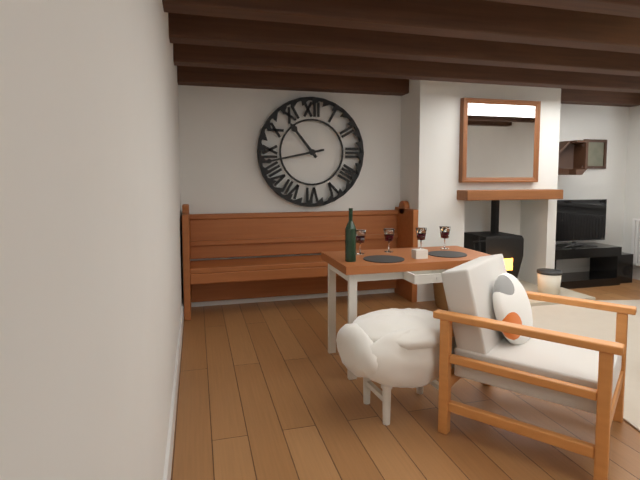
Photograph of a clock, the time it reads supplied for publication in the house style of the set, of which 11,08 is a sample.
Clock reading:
10,43
